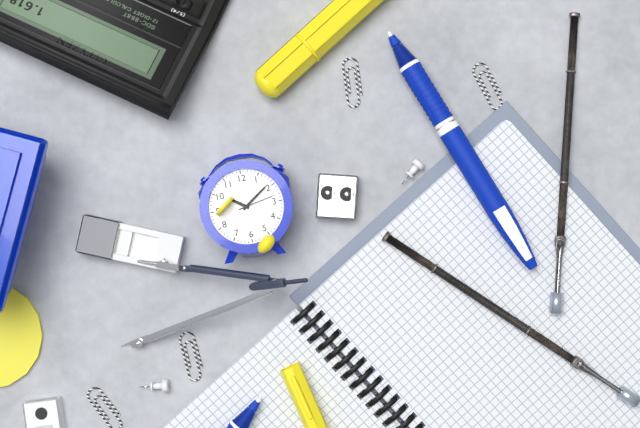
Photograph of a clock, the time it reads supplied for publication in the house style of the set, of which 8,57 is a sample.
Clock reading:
10,09
